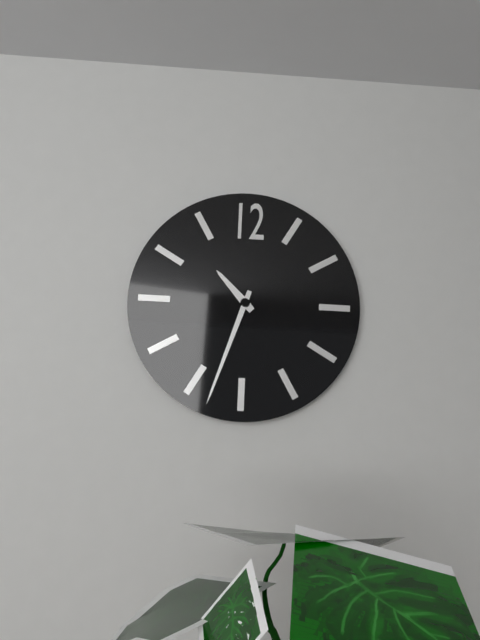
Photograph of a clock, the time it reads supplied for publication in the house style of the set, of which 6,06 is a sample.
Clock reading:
10,33
